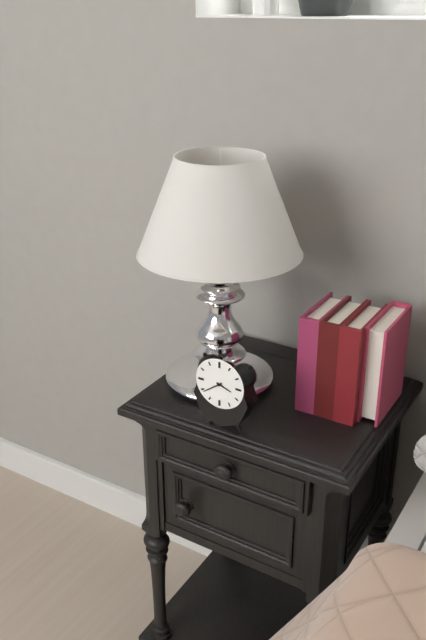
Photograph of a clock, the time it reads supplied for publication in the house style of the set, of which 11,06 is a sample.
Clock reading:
3,39
